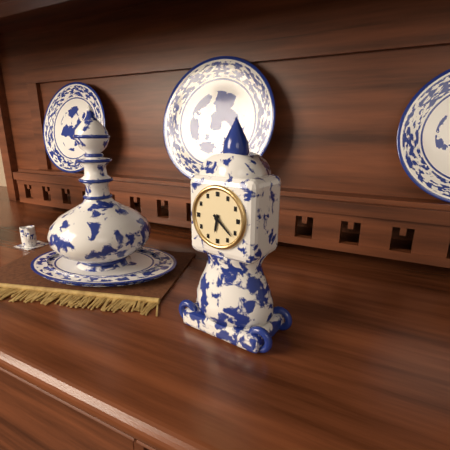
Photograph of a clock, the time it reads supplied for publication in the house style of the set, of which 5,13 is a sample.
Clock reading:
6,22
